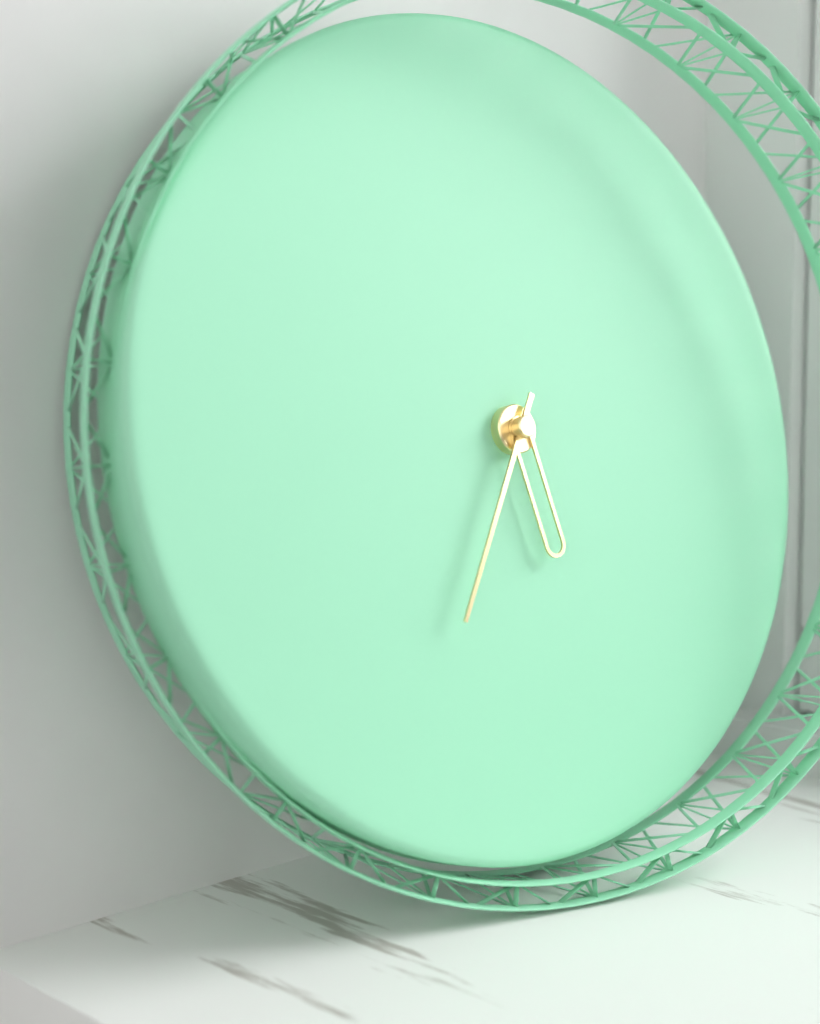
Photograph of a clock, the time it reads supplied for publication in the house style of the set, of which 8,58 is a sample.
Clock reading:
5,35
